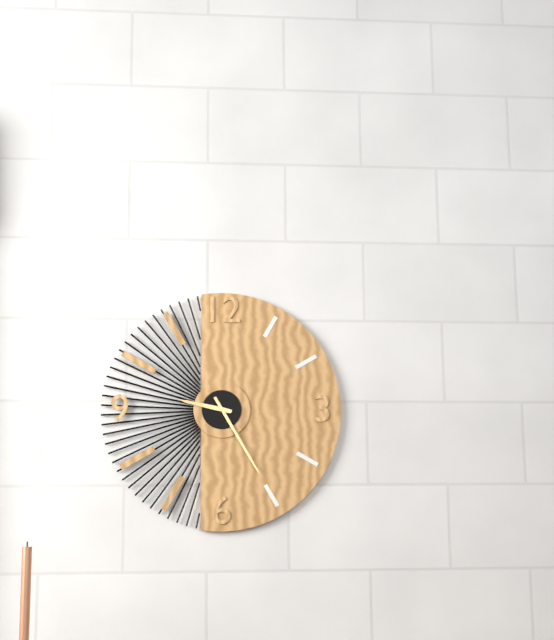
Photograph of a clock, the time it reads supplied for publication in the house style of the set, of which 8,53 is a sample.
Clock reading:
9,25
